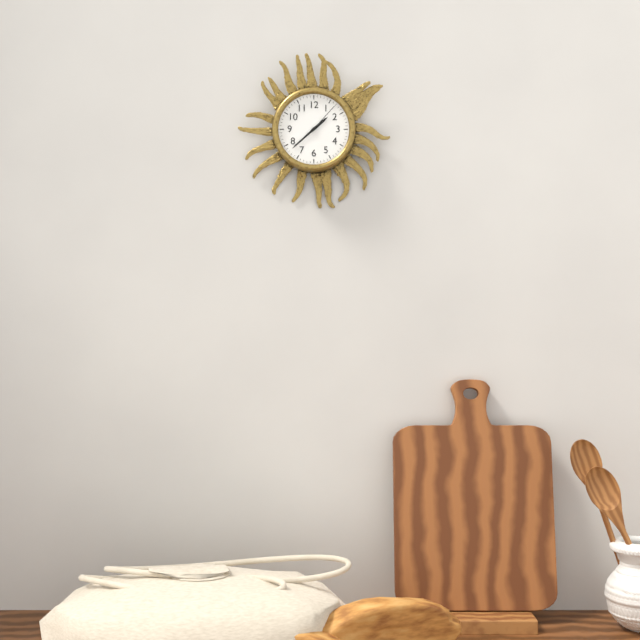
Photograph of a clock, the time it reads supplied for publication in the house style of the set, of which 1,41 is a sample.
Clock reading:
1,38
